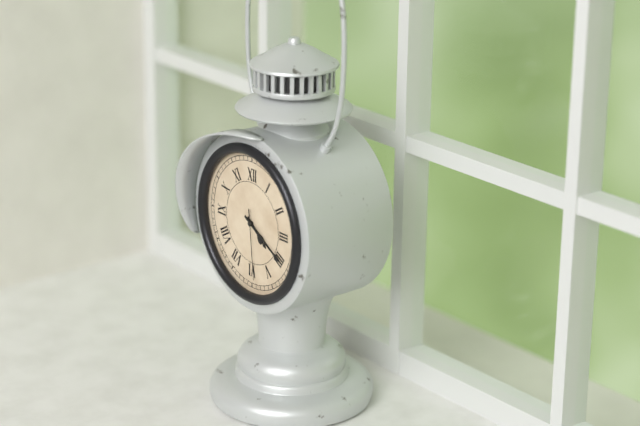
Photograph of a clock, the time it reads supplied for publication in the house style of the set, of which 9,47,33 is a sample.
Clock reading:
4,20,29
